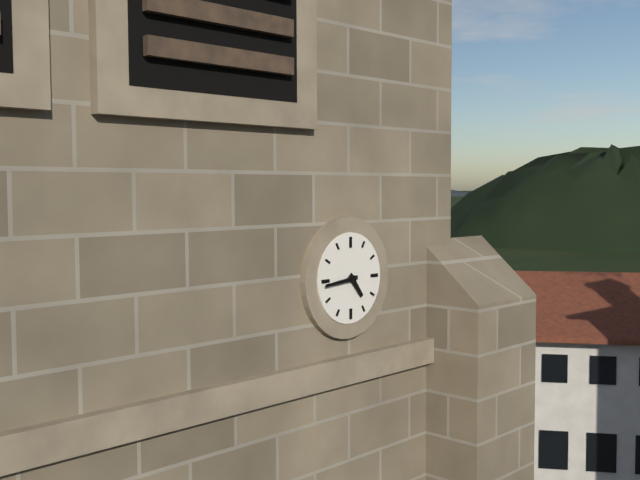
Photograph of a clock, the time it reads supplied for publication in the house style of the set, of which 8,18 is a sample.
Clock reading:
4,44
